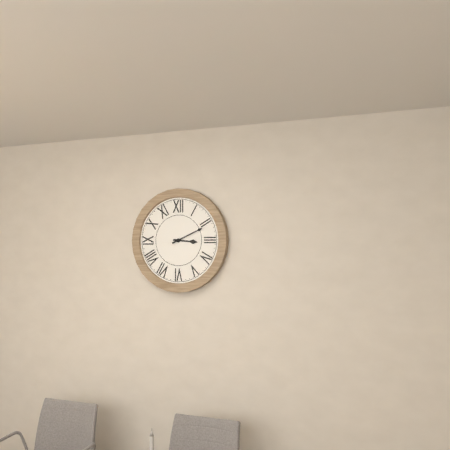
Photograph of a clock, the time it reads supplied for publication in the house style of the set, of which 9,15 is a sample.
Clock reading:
3,11
